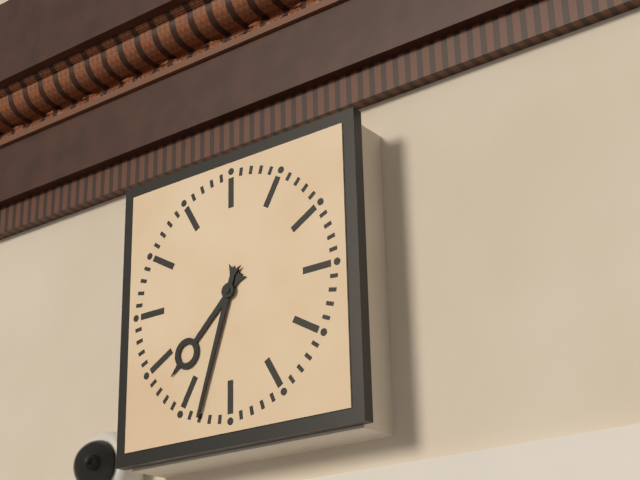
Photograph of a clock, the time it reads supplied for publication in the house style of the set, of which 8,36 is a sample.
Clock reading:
7,33
